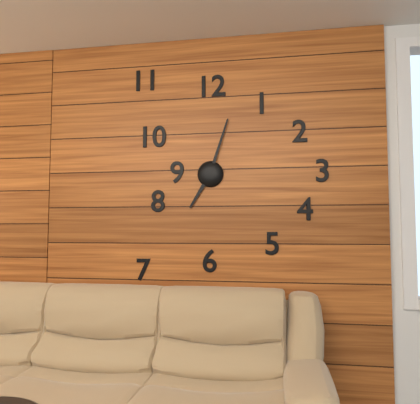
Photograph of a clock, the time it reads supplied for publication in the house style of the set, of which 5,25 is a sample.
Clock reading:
7,03
